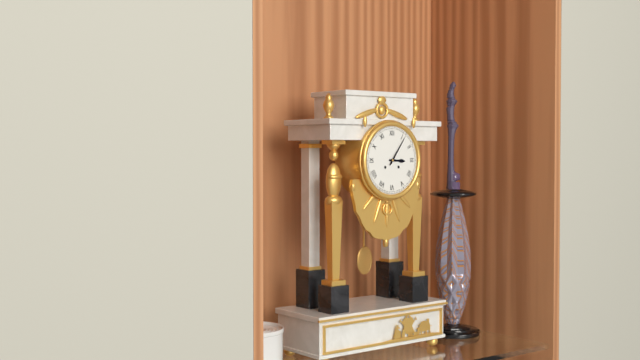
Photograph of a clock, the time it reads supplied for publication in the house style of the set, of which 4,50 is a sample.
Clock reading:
3,06
